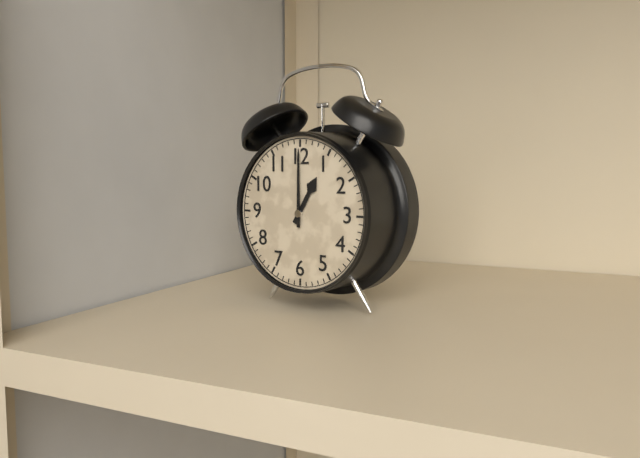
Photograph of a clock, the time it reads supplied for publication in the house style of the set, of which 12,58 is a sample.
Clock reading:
1,00
